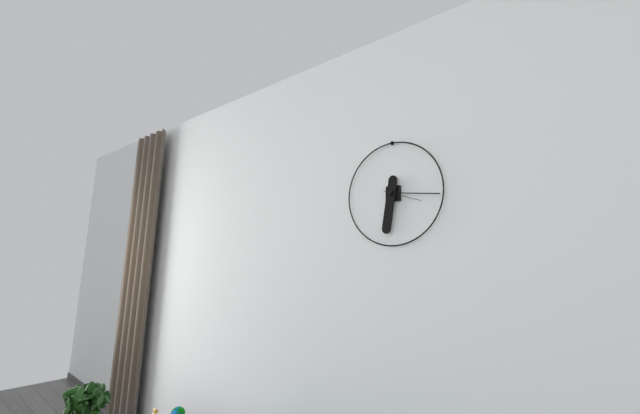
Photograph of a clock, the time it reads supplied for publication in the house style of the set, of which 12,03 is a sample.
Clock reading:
6,16
